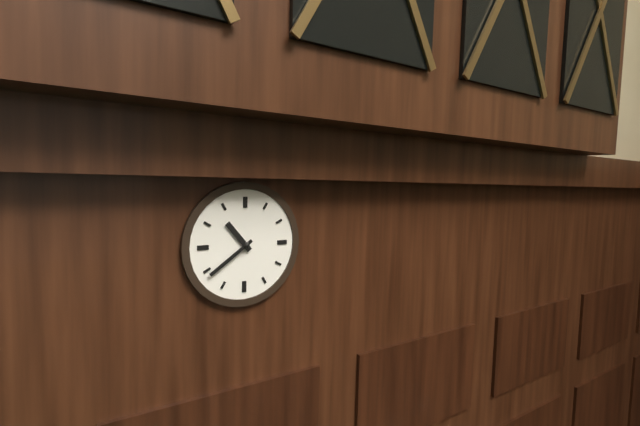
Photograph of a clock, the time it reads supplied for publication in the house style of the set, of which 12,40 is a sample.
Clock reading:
10,39
